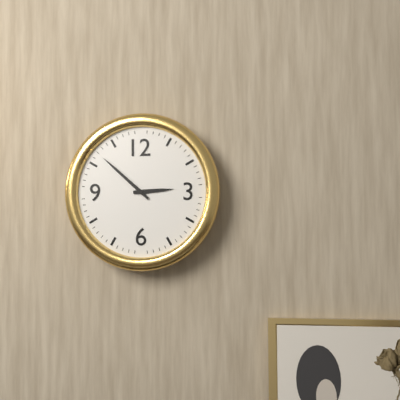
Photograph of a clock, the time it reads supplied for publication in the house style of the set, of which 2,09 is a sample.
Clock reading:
2,52
